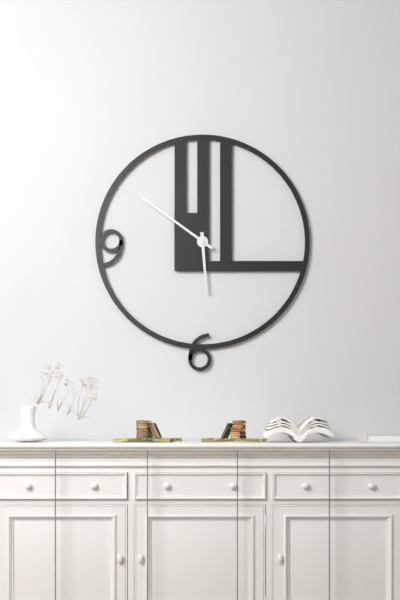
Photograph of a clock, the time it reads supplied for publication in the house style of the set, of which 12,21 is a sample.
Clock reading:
5,51
